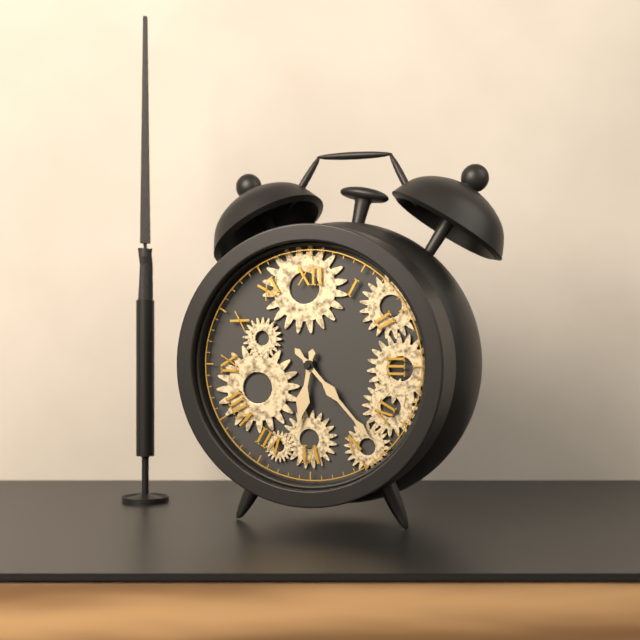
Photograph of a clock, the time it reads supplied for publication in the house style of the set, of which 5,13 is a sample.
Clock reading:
6,23
